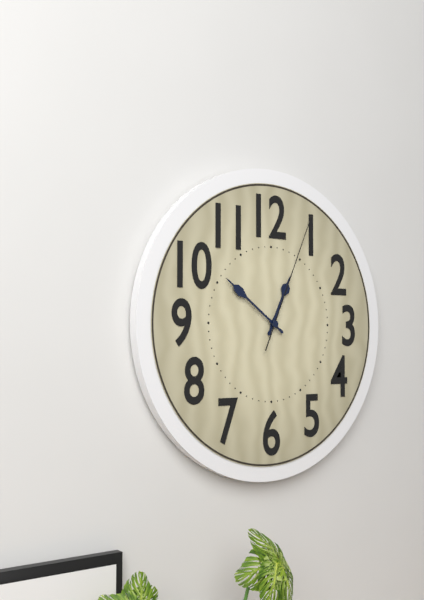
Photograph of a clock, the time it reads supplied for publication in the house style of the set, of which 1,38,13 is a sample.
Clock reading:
12,51,04
